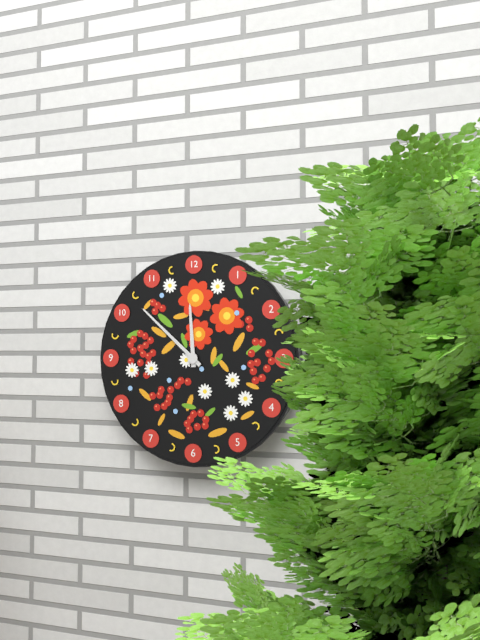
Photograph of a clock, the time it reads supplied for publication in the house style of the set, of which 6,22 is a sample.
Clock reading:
11,52
